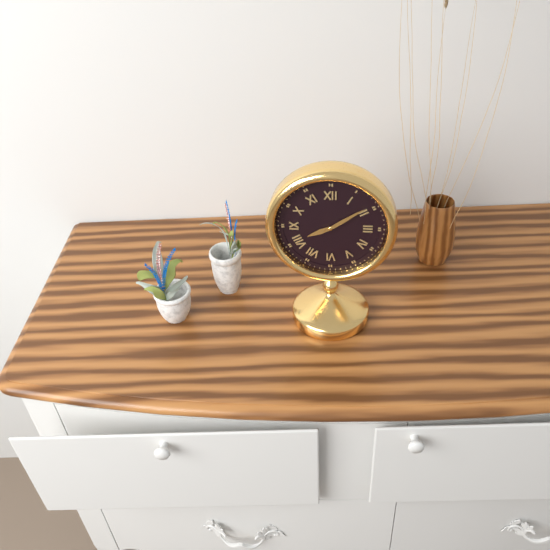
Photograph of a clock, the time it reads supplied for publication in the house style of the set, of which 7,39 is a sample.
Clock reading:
8,09
